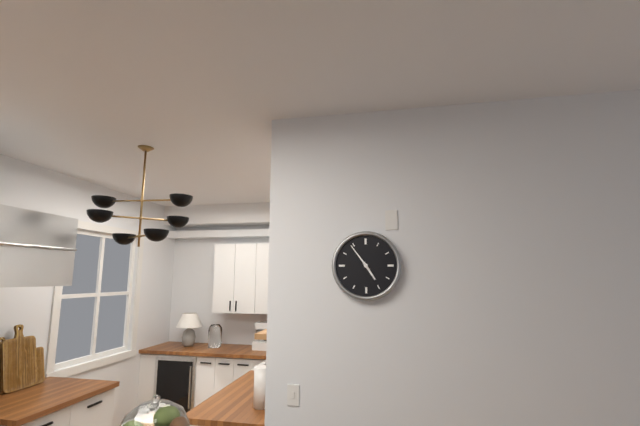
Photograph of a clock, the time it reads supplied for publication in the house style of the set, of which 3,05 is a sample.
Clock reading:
4,54
